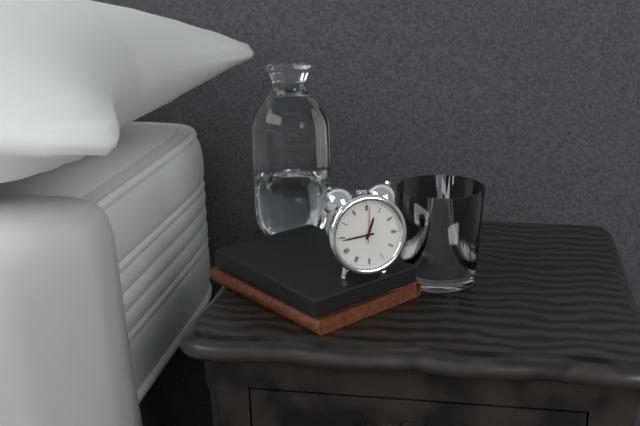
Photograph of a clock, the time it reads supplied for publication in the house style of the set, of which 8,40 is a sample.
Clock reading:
12,44
